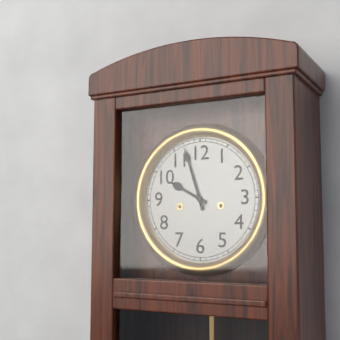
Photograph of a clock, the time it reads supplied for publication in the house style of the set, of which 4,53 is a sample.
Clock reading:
9,57
